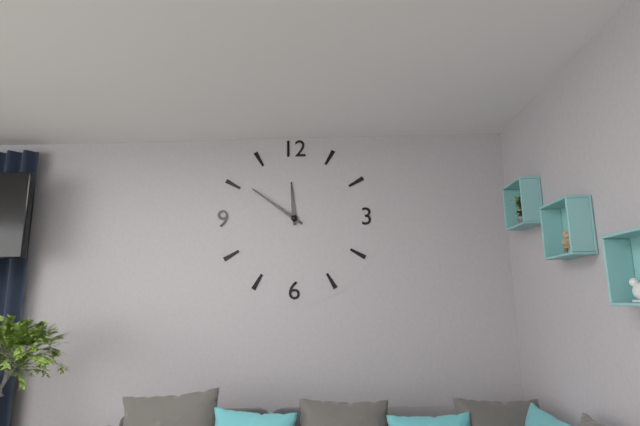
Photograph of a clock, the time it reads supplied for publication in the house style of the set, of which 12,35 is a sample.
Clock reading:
11,51
